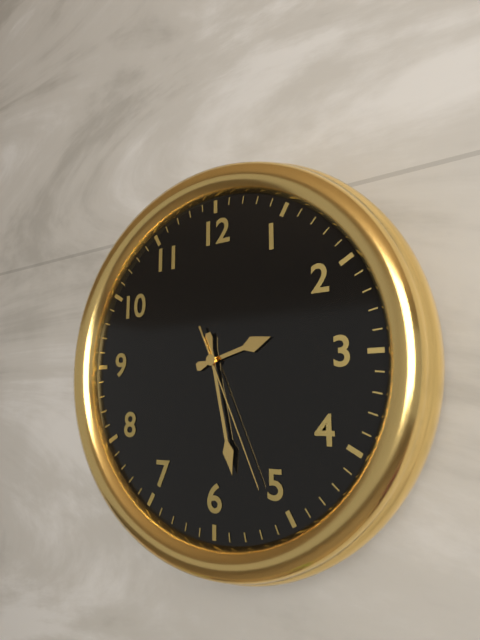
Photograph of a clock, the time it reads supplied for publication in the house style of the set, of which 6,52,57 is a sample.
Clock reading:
2,28,26
